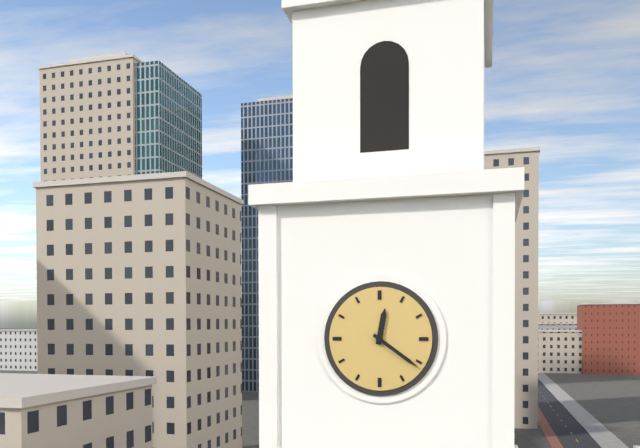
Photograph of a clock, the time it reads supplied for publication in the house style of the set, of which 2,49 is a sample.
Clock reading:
12,21
